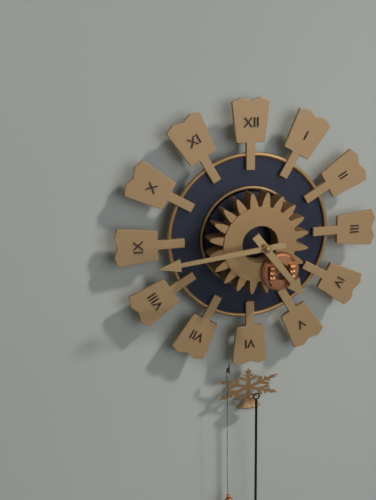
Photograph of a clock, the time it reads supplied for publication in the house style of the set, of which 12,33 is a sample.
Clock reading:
4,44
